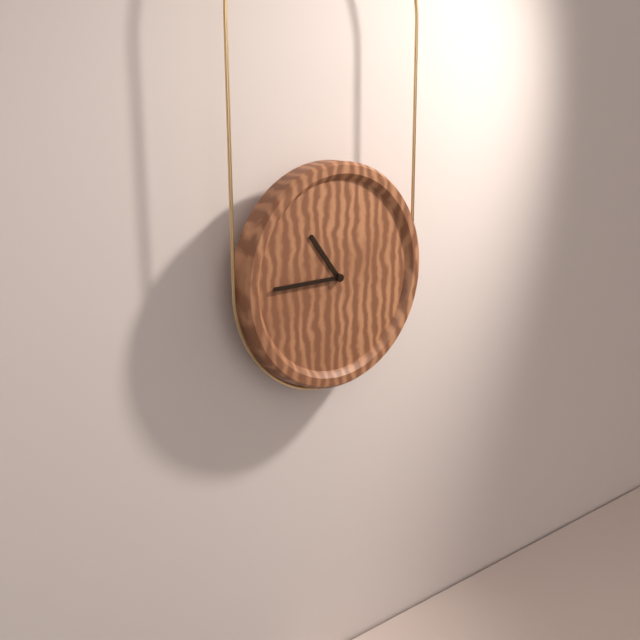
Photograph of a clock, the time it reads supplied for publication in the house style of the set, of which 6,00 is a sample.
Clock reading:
10,45
